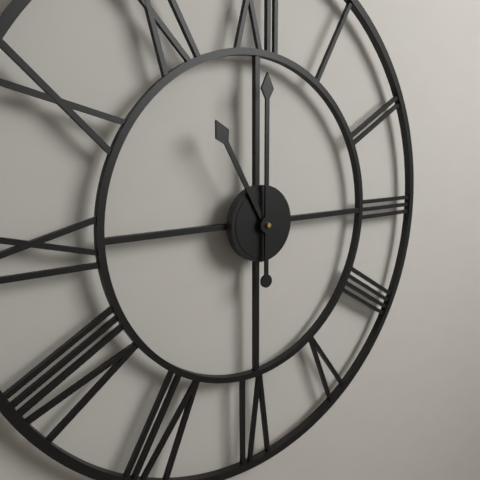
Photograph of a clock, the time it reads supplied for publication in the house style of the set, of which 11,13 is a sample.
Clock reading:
11,00
